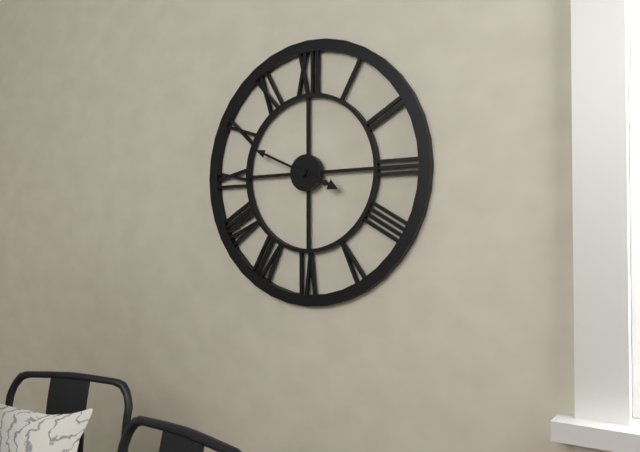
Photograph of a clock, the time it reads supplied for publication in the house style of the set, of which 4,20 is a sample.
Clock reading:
3,49
